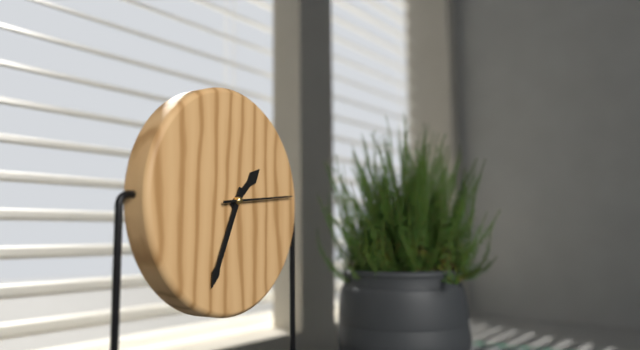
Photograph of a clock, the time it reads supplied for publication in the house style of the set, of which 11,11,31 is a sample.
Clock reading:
1,34,14
